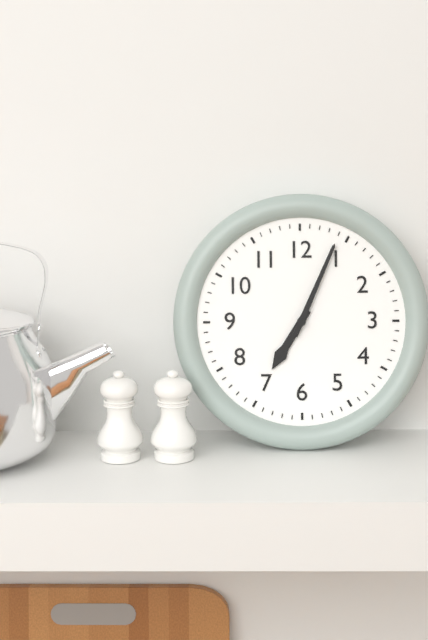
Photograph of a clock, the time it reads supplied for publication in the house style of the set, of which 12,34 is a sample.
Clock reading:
7,04
